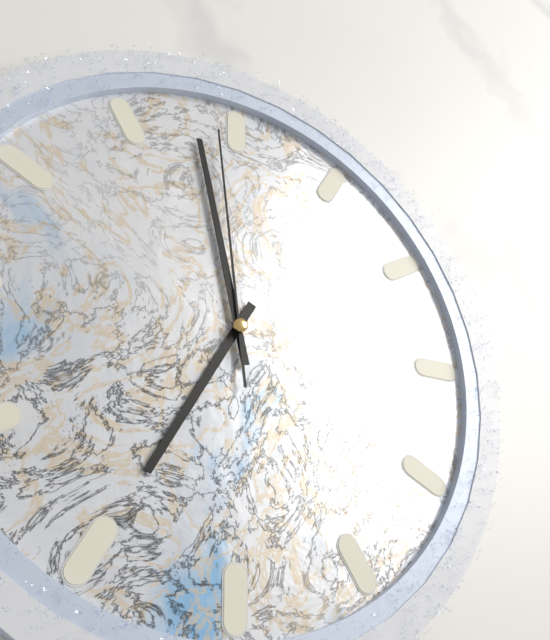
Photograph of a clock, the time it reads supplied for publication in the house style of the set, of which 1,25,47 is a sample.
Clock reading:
6,58,59
